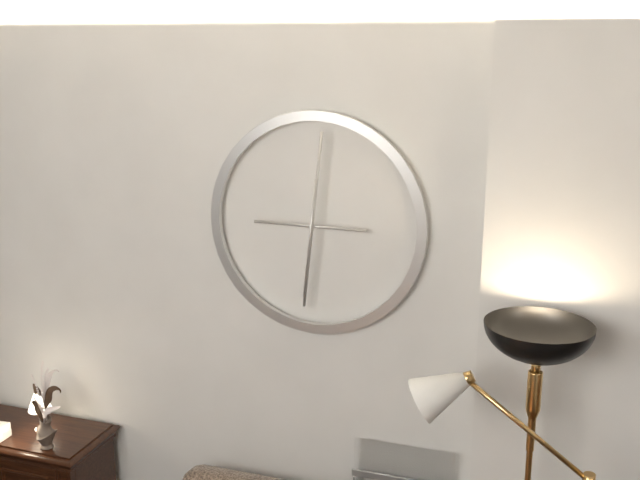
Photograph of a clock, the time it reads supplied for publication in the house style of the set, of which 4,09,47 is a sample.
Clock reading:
9,01,31
